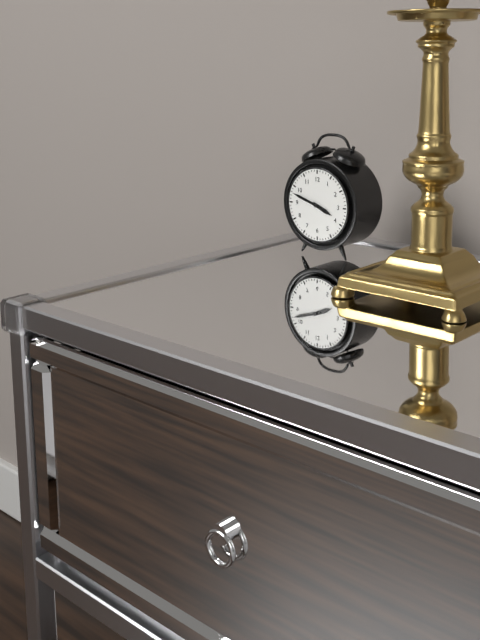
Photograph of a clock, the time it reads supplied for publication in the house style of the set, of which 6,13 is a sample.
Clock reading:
3,48
